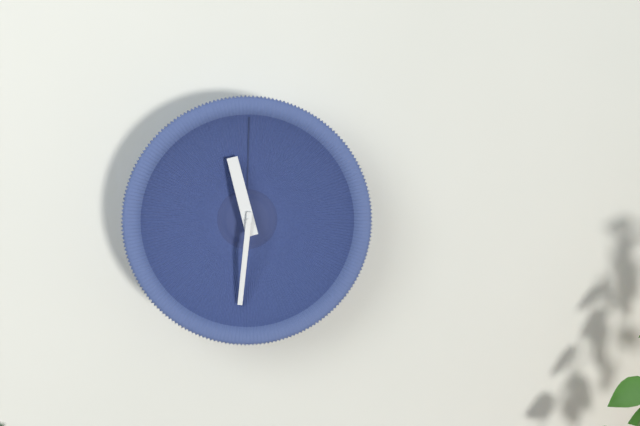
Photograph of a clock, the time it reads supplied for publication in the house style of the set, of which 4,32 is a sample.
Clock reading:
11,31
